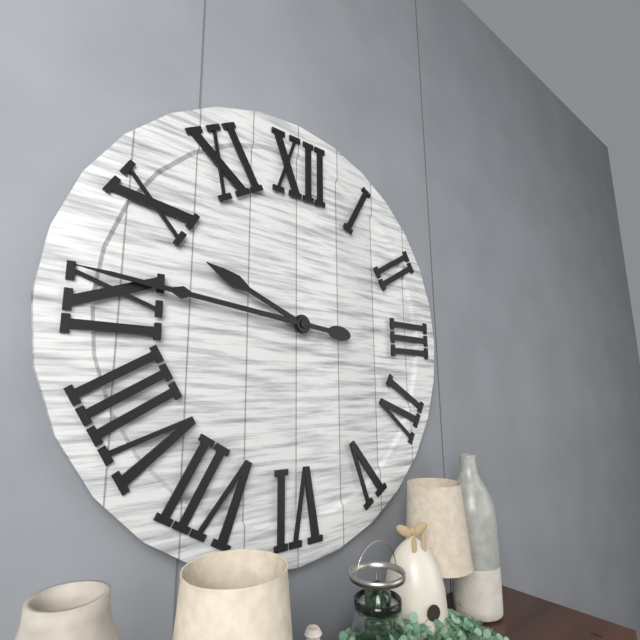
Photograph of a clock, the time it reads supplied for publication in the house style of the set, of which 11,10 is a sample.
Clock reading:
9,46
